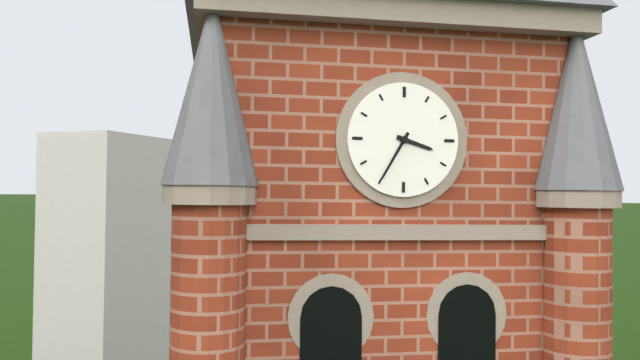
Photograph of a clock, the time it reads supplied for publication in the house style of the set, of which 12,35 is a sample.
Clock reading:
3,35
